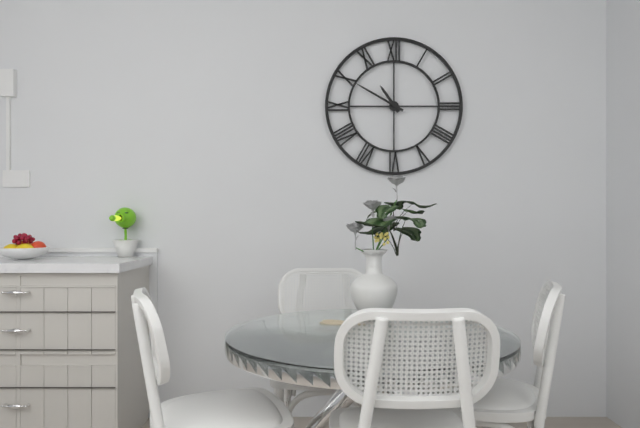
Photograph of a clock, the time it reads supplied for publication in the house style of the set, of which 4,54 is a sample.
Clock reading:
10,50
